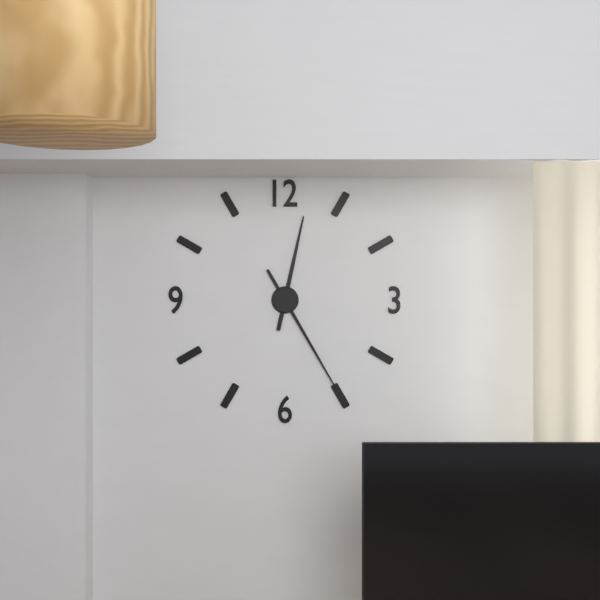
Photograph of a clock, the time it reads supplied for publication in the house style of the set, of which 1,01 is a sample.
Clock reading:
12,25
